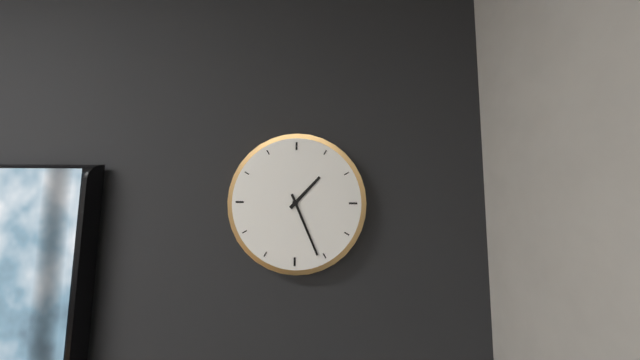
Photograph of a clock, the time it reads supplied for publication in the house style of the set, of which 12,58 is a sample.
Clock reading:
1,26
